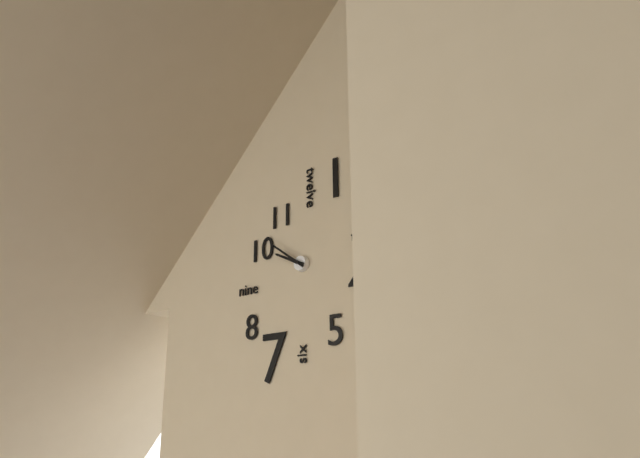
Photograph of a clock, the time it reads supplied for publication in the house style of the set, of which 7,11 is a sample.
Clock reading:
9,51
